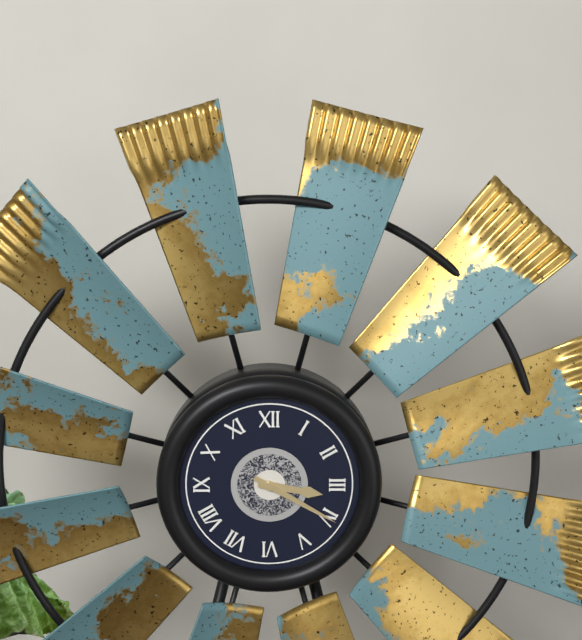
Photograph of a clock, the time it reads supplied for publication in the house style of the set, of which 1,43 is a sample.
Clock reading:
3,20
